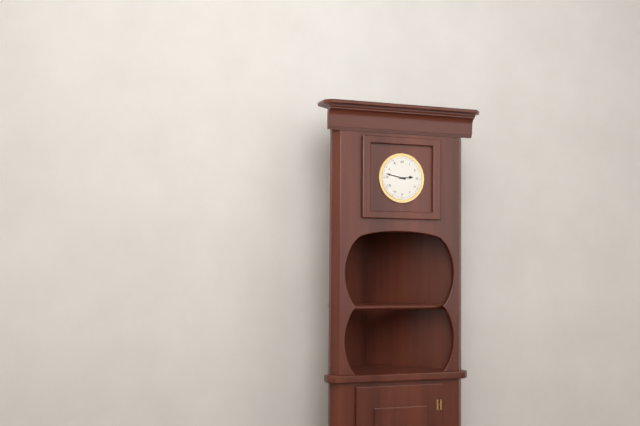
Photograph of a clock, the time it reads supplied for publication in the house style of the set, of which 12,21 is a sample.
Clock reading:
2,47
